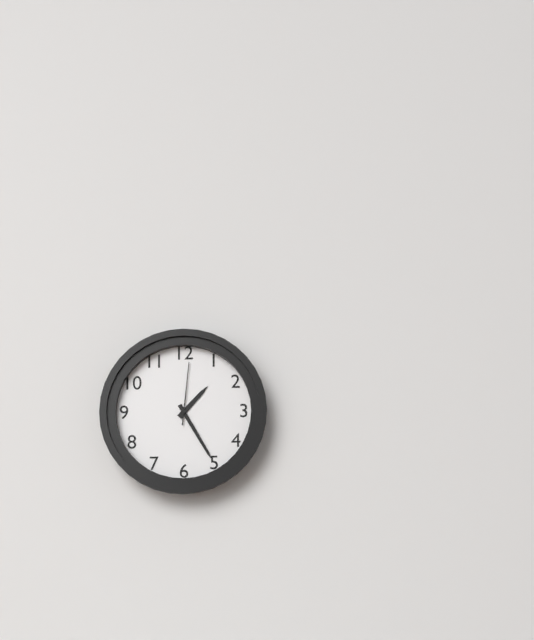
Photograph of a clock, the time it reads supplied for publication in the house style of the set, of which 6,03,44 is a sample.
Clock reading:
1,25,01
